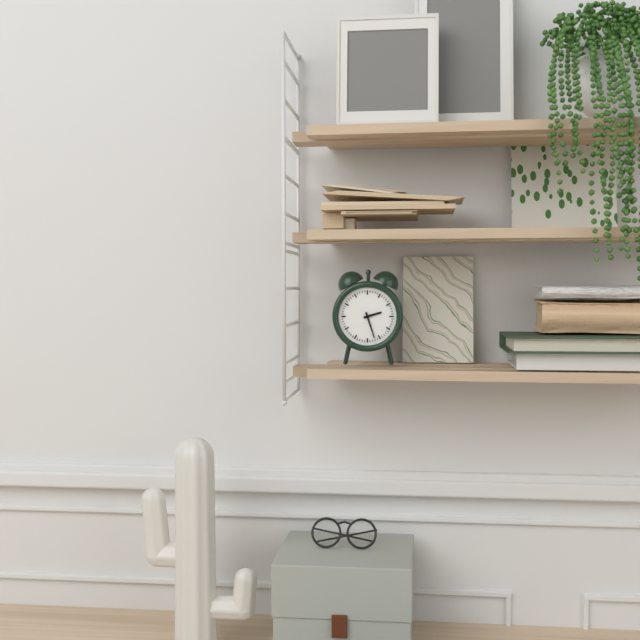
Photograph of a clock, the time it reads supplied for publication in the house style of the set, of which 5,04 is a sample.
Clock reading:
2,27
